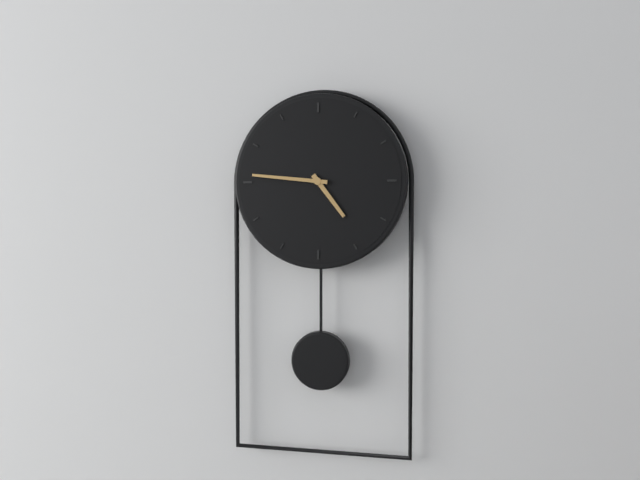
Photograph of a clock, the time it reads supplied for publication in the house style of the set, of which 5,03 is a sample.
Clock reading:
4,46
